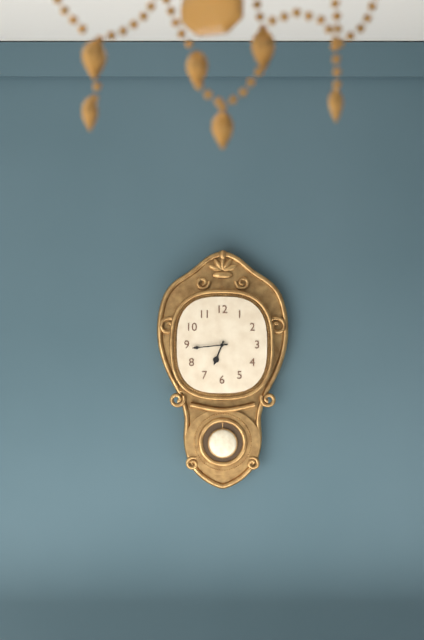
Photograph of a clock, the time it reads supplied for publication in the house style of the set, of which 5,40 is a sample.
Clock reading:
6,44
